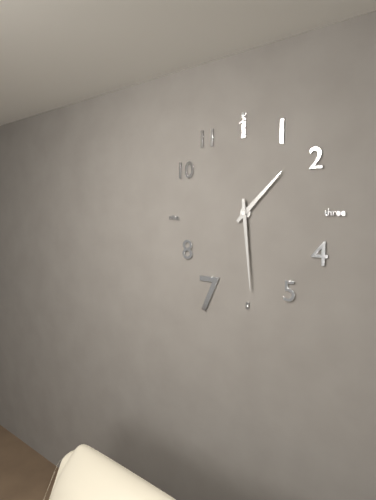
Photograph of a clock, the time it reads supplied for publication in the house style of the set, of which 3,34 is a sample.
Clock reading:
1,29
